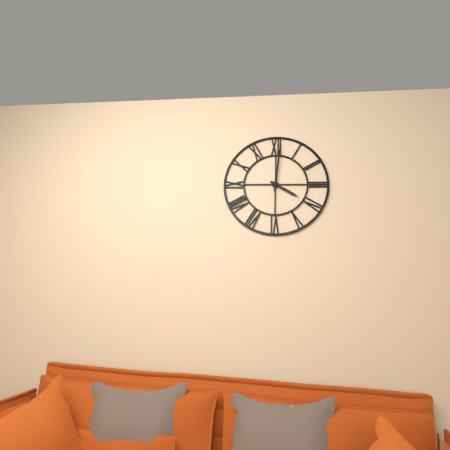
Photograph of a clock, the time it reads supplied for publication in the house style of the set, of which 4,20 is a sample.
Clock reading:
4,01
